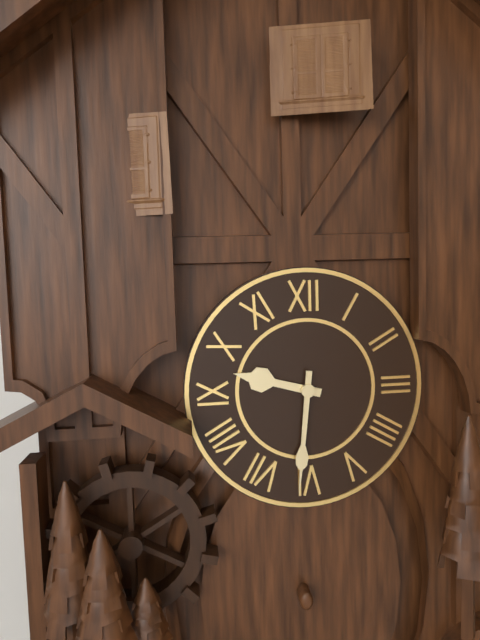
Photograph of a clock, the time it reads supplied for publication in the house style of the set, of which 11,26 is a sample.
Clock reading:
9,31
